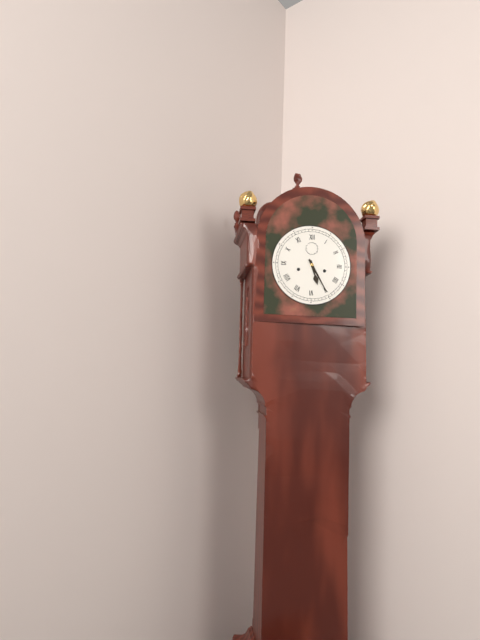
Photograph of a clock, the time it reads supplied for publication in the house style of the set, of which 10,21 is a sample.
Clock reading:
5,25
